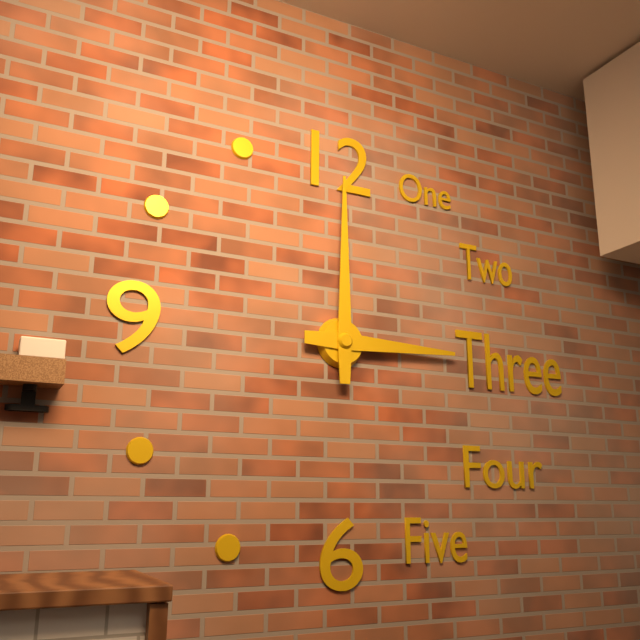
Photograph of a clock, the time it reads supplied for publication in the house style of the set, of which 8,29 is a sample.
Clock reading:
3,00
